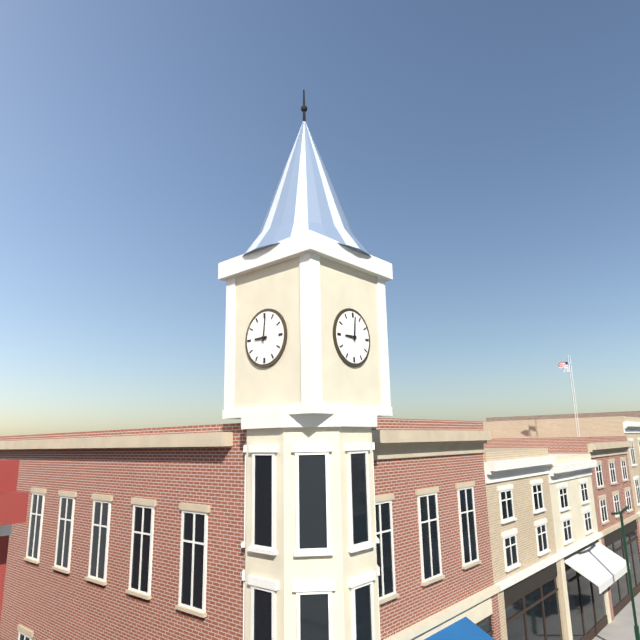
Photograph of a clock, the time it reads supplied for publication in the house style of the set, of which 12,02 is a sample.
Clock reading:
9,01
